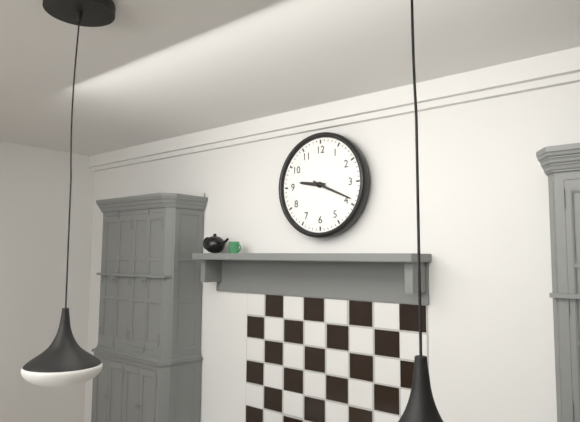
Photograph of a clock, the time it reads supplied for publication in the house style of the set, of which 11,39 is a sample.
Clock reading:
9,19
